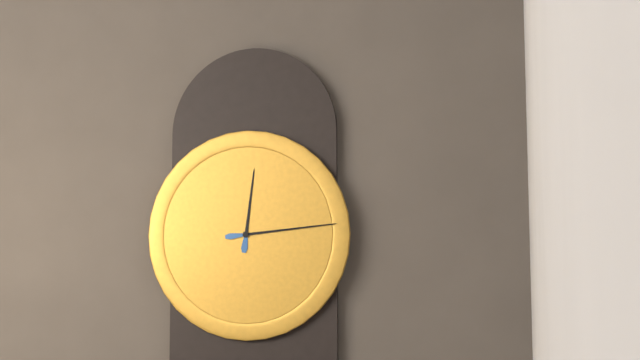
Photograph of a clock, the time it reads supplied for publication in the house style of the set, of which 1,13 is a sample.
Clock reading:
12,14
